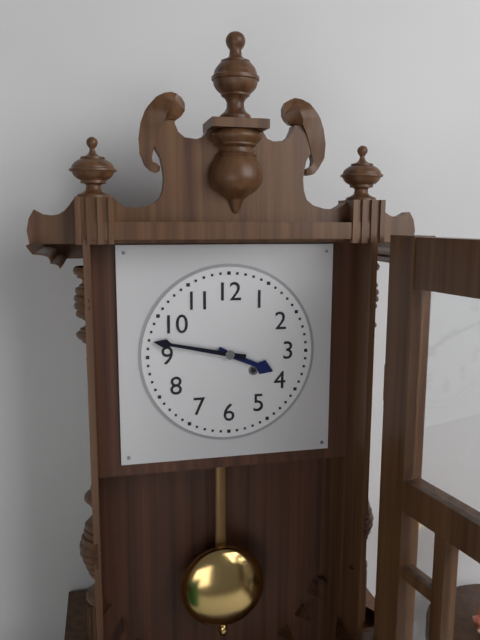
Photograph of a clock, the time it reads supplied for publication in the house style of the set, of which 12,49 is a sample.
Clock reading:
3,47
